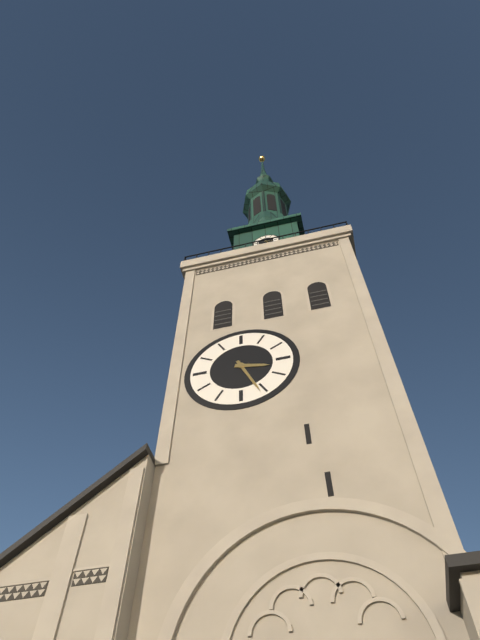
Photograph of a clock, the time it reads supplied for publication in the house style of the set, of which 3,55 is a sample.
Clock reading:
3,26
